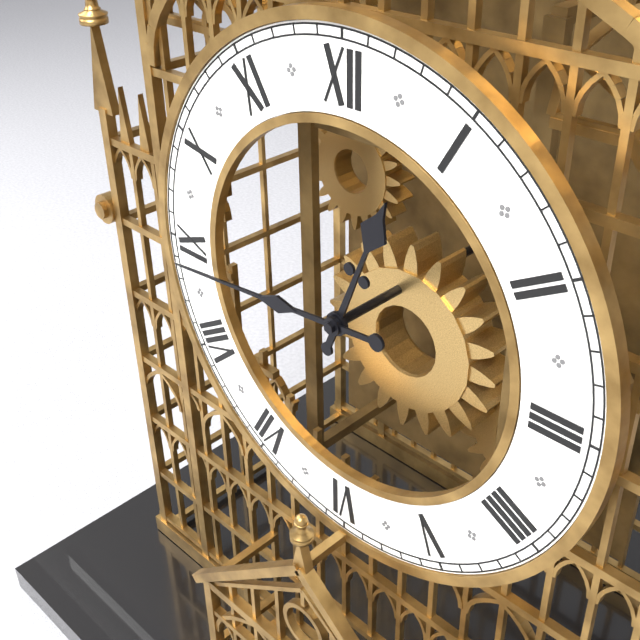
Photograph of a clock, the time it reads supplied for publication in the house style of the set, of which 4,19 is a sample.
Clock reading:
12,44
